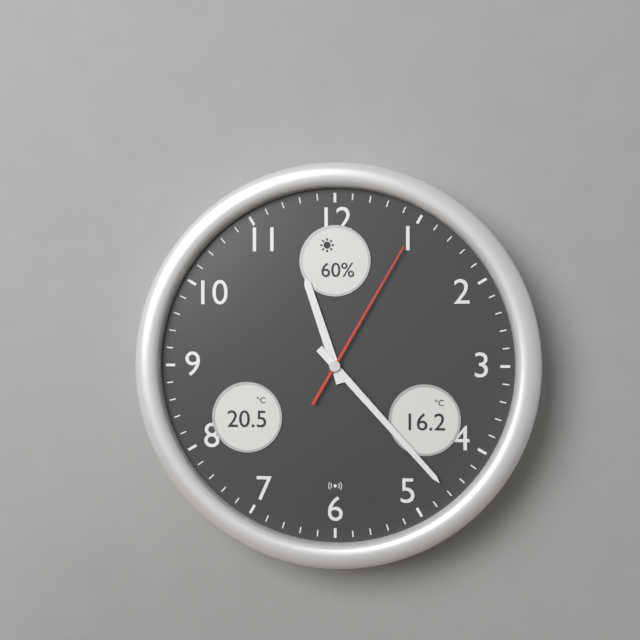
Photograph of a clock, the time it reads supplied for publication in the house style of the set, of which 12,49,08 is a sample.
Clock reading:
11,23,05
